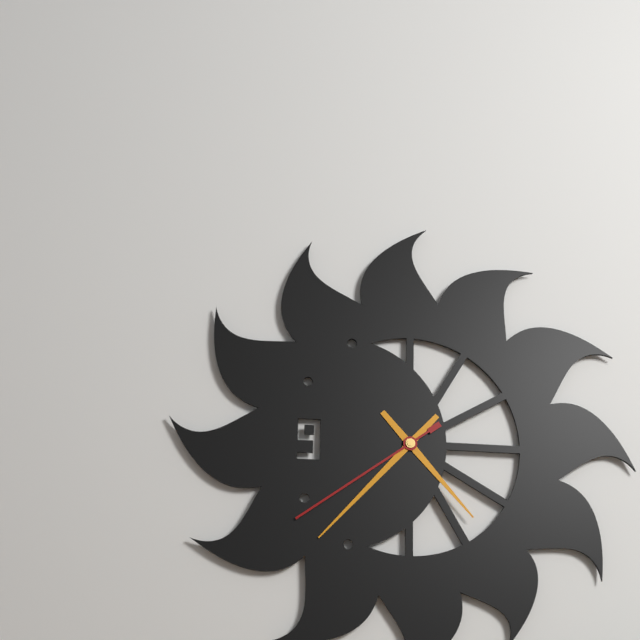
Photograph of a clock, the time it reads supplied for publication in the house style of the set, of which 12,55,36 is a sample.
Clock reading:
4,37,39
